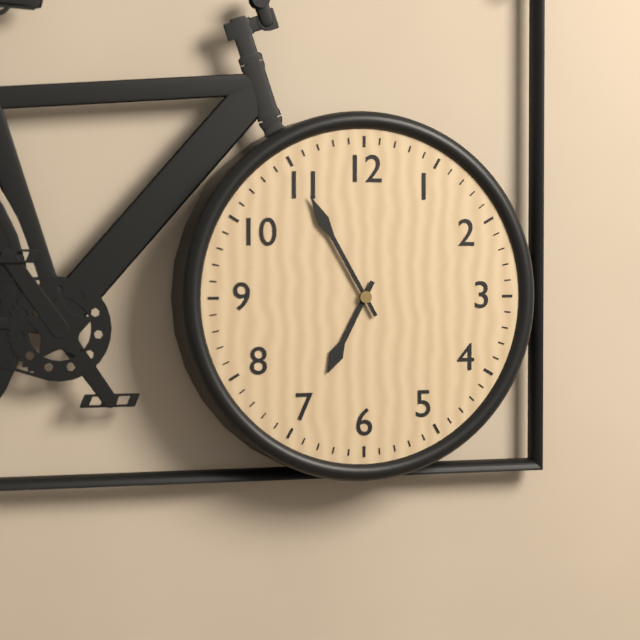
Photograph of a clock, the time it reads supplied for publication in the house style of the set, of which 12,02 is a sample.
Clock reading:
6,55
